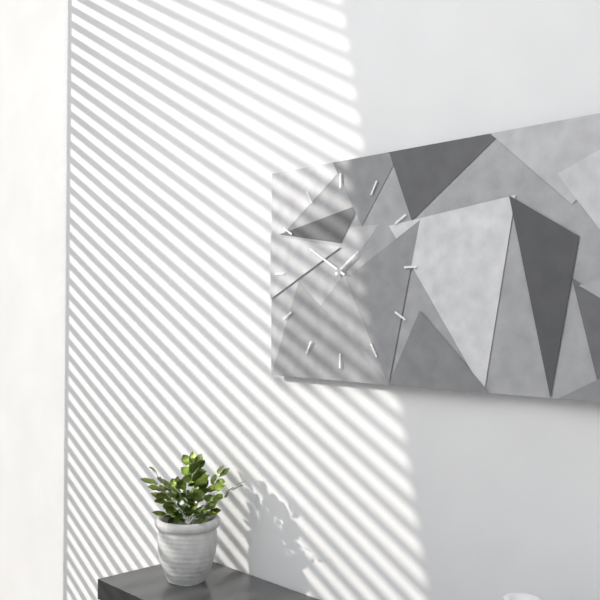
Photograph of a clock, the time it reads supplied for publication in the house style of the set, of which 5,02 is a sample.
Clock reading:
1,50
